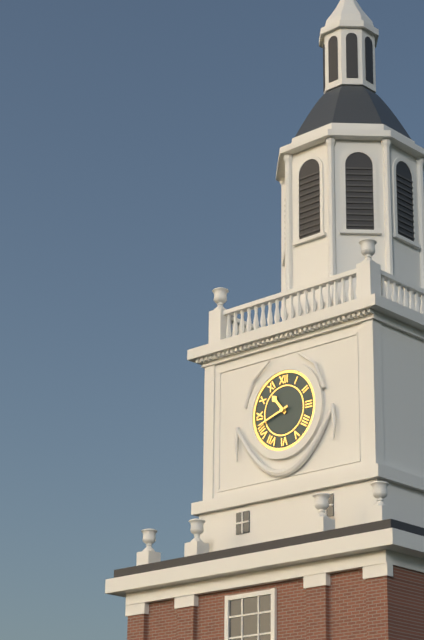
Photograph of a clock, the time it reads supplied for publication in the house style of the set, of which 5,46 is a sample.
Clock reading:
10,42
